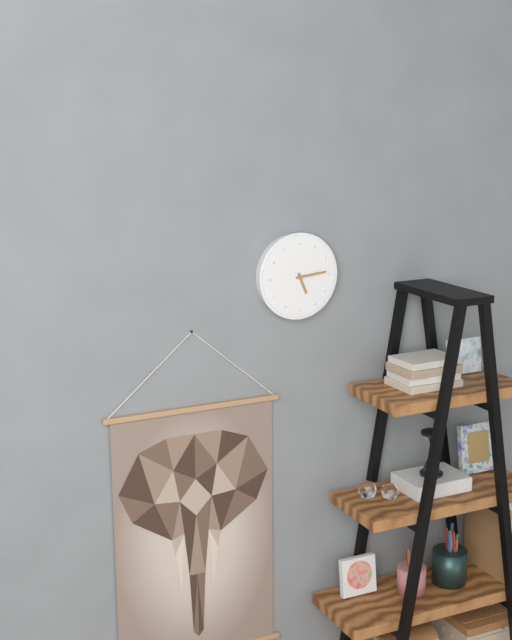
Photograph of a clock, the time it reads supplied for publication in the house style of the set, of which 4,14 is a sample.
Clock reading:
5,14
